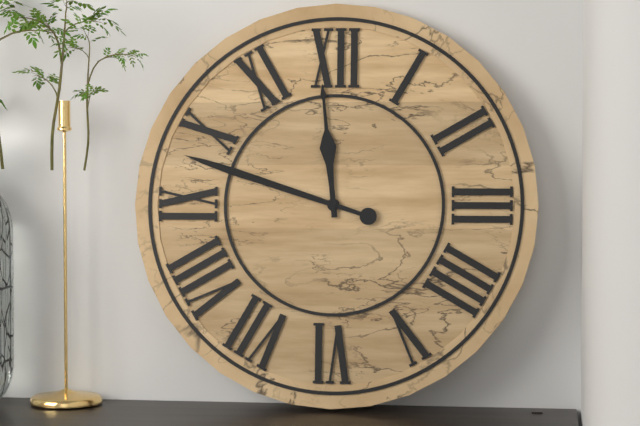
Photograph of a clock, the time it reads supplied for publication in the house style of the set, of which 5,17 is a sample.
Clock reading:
11,48
